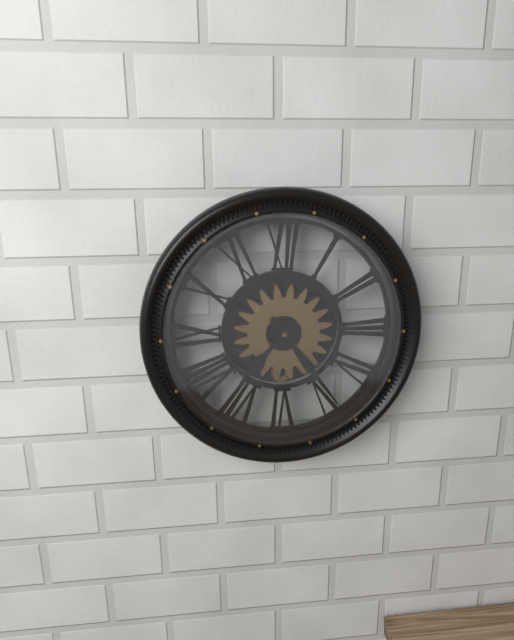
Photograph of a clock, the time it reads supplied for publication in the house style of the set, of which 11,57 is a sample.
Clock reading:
7,24
